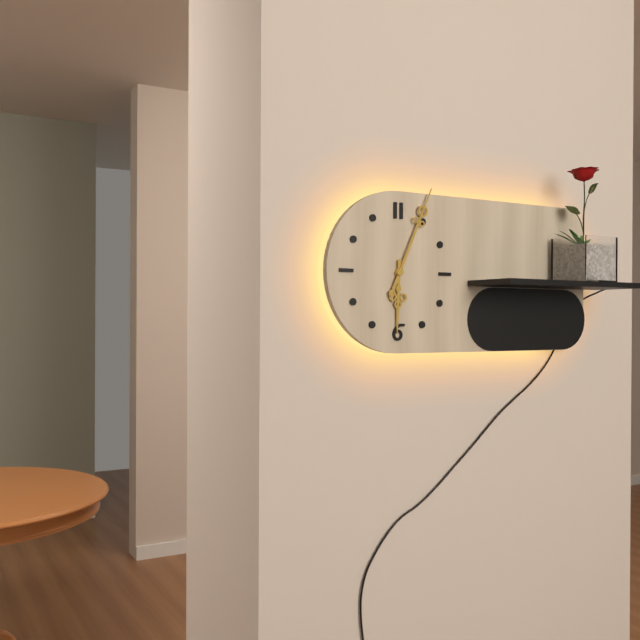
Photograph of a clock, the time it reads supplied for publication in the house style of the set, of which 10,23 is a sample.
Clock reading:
6,04
